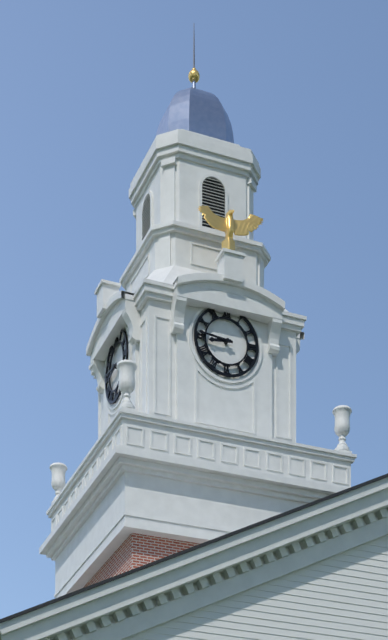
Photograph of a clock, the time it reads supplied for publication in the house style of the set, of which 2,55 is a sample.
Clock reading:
8,46
